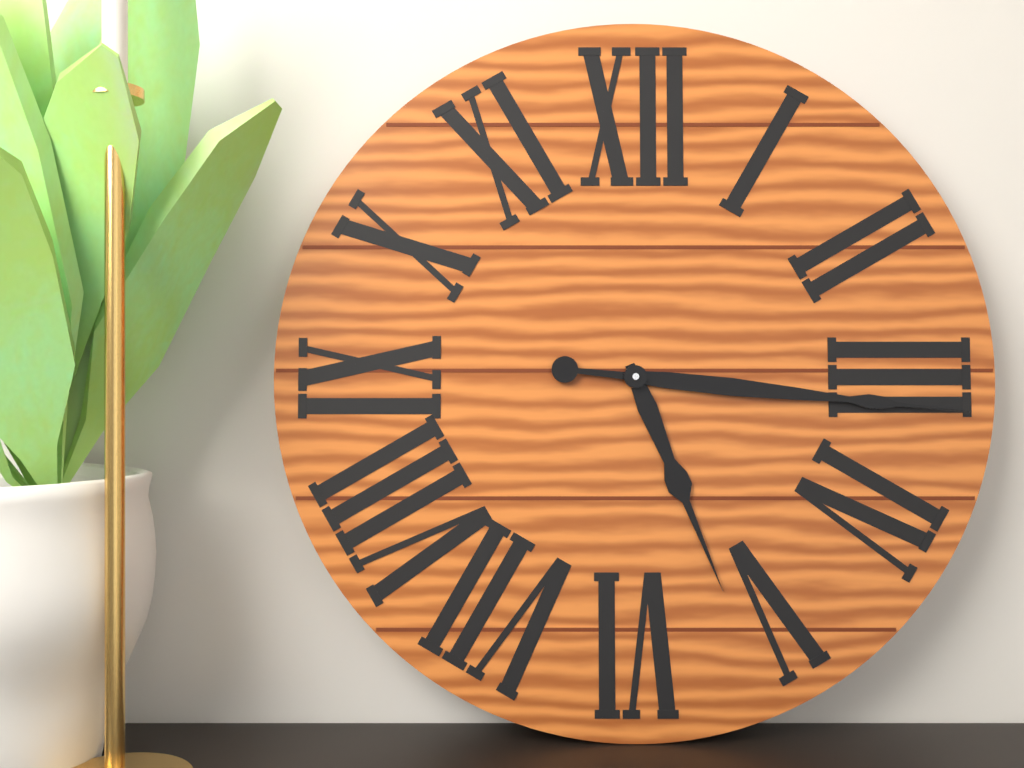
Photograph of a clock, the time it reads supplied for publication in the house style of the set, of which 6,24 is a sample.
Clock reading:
5,16
